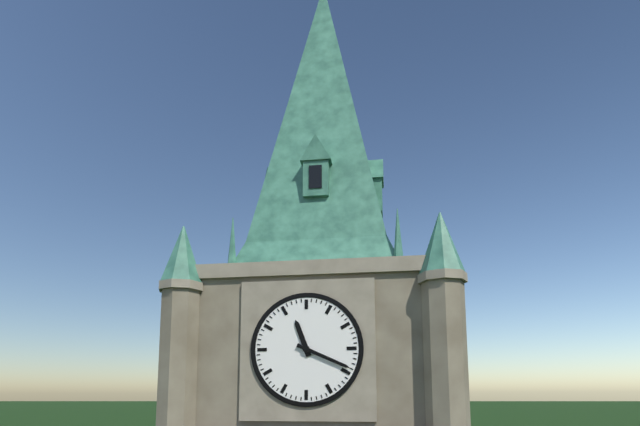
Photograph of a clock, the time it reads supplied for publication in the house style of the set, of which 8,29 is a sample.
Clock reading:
11,19
